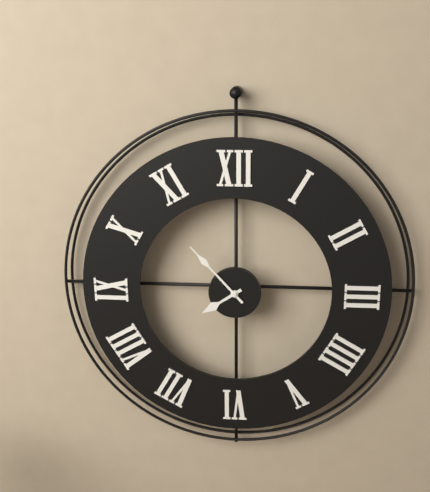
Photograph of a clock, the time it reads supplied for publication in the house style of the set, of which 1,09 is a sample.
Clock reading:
7,53
